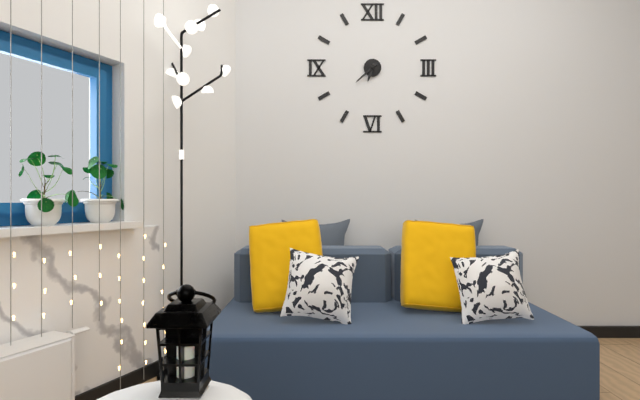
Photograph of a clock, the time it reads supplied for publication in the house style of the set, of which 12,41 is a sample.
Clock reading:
6,38
